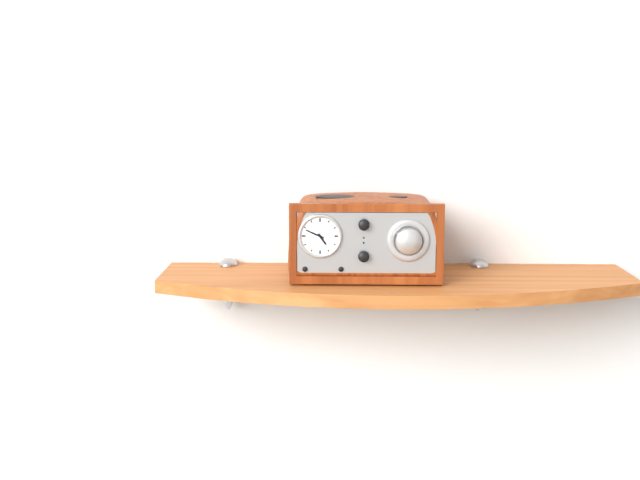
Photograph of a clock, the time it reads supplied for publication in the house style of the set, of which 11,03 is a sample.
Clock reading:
4,49
